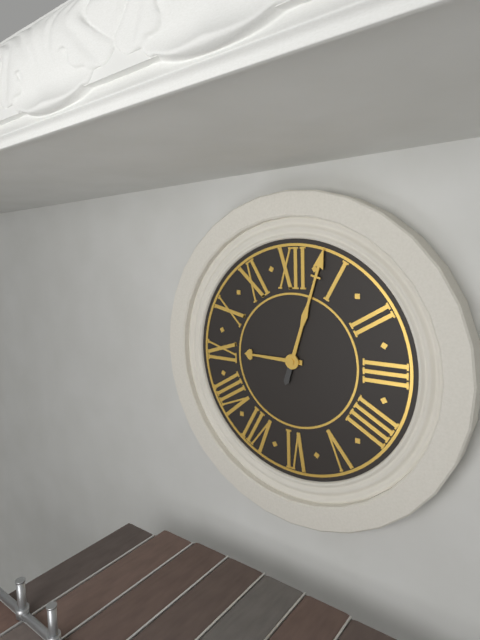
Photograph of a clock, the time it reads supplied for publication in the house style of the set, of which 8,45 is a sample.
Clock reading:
9,03
